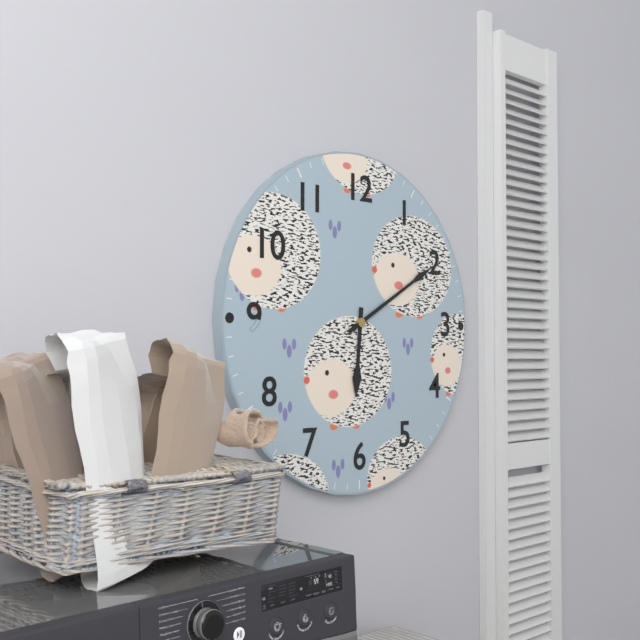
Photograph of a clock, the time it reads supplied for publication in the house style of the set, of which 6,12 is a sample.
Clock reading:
6,10
